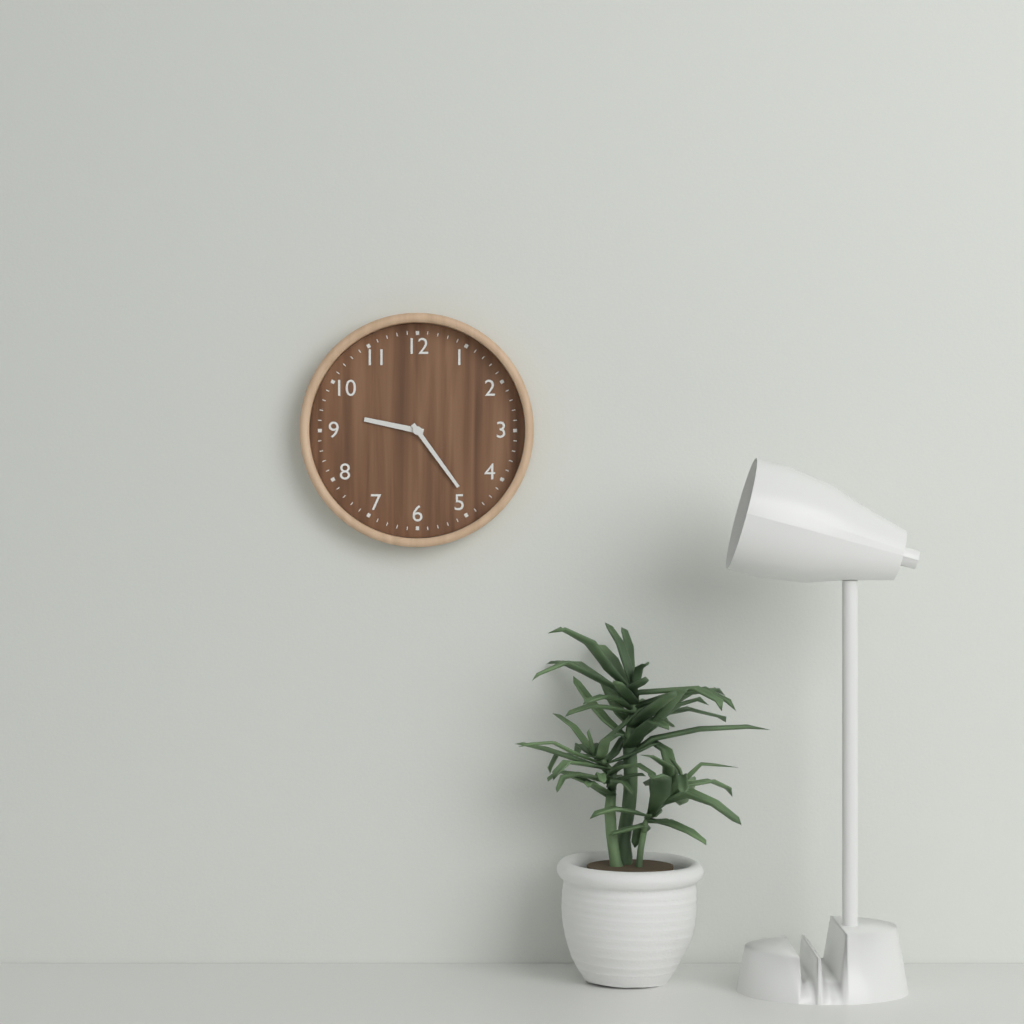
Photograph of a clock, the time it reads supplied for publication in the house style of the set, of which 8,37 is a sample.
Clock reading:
9,24
